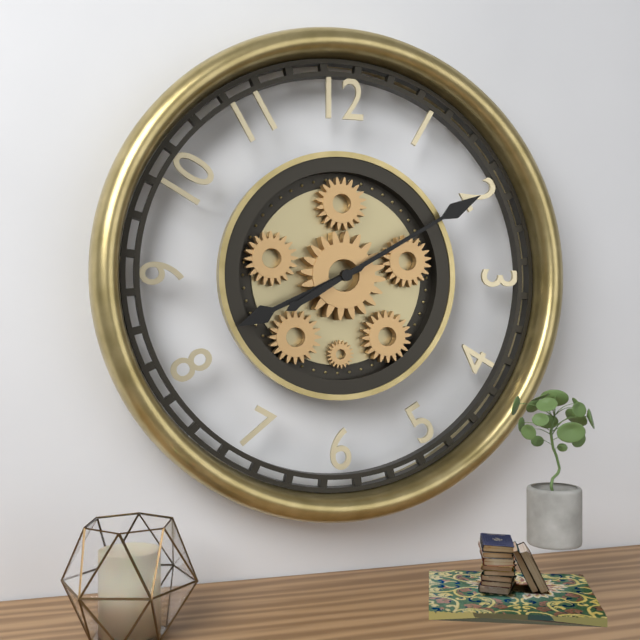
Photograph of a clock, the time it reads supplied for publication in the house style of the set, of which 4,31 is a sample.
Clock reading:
8,10
